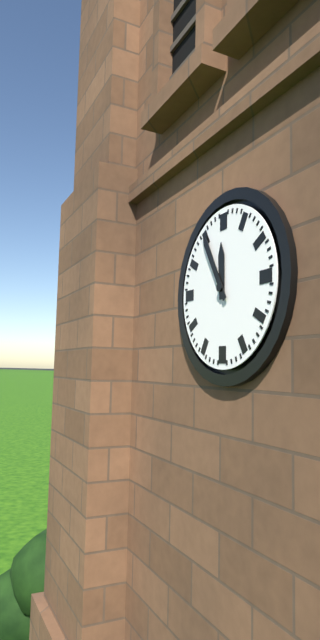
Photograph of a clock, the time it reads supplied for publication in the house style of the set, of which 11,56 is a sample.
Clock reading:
11,55
